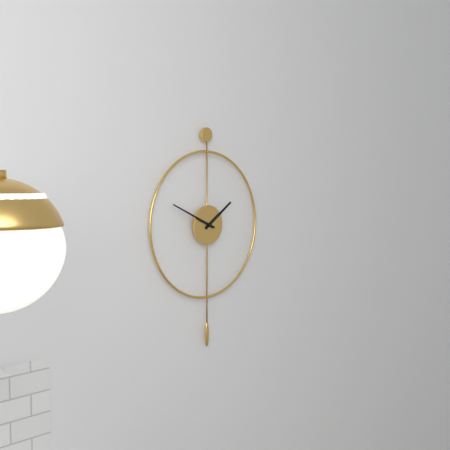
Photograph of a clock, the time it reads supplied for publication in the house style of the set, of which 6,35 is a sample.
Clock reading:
1,49
